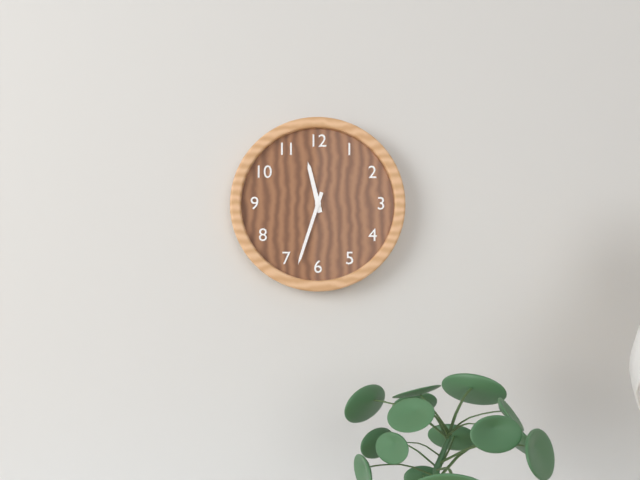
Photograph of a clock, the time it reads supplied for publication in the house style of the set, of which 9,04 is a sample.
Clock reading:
11,33
